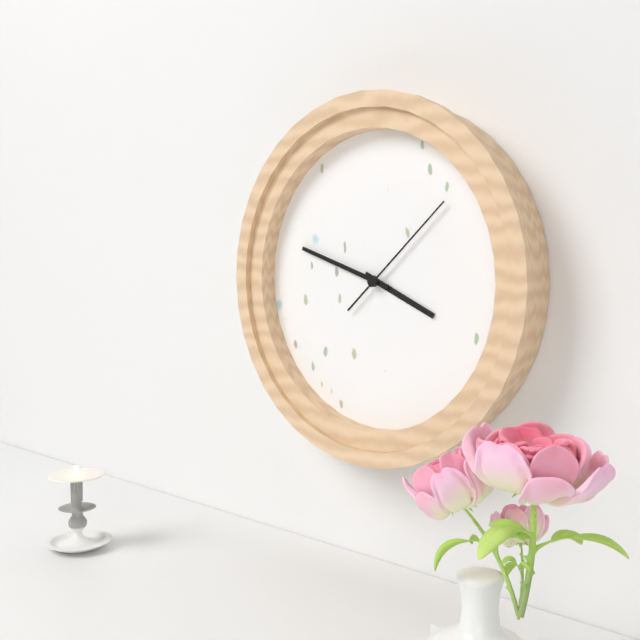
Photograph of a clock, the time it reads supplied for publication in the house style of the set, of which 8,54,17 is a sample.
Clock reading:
3,48,08
